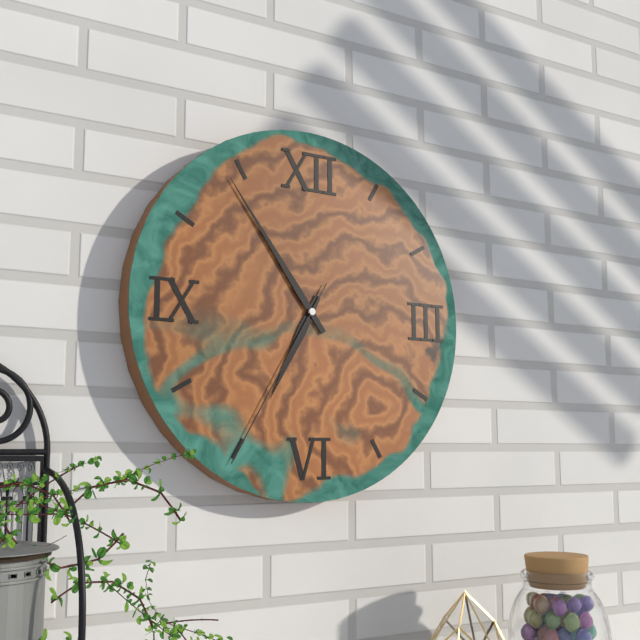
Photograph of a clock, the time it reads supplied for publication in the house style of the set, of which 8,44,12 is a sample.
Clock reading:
6,54,35
